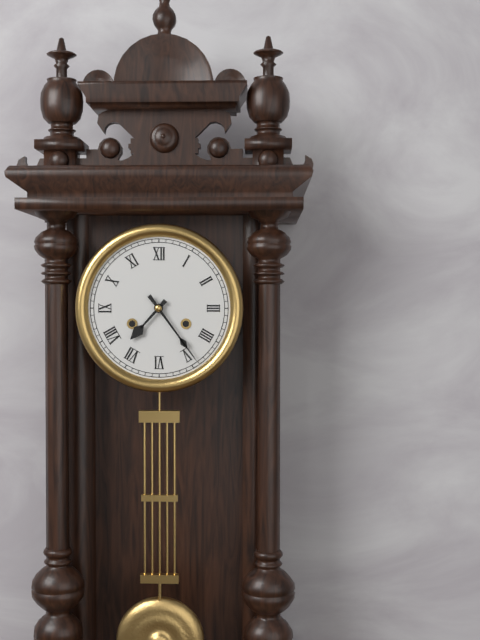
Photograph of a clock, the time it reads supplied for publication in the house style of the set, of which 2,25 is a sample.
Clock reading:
7,24
